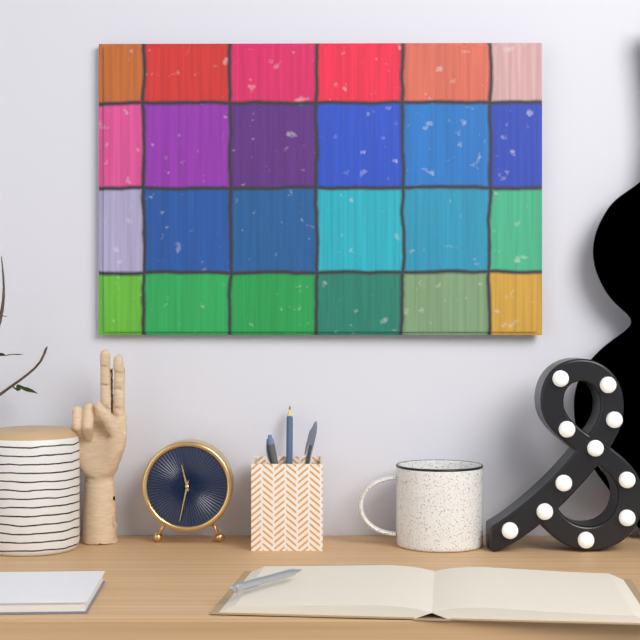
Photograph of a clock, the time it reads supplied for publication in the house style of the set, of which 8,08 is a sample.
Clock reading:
11,32
